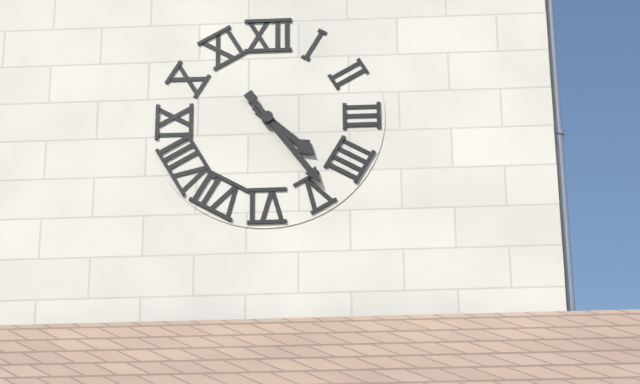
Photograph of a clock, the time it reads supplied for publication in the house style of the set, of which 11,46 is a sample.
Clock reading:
4,24
